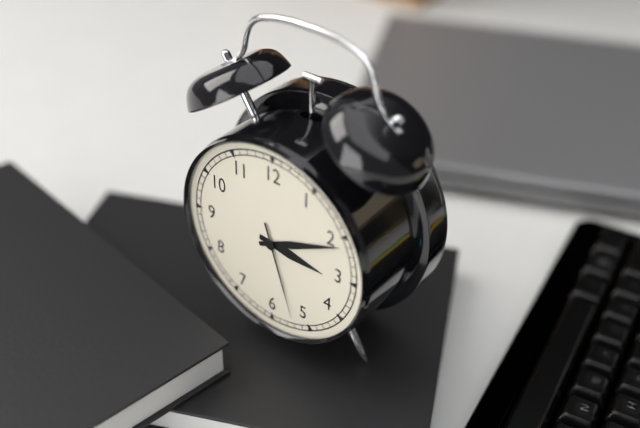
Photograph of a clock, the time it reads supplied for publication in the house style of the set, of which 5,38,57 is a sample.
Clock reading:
3,11,27
